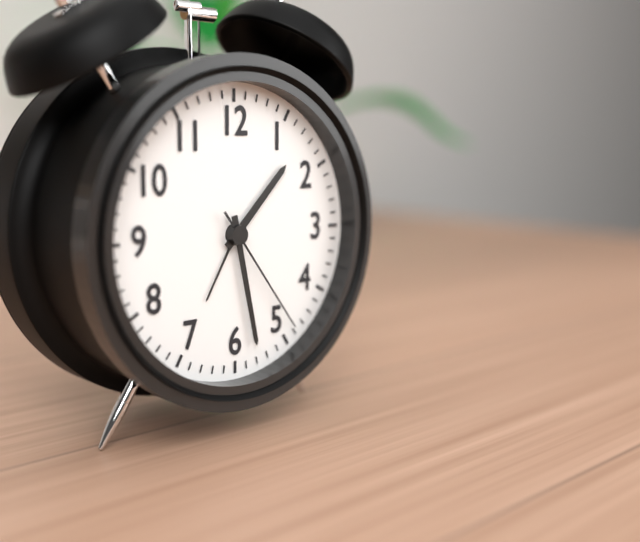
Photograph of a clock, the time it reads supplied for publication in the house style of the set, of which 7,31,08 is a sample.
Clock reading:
1,28,24
